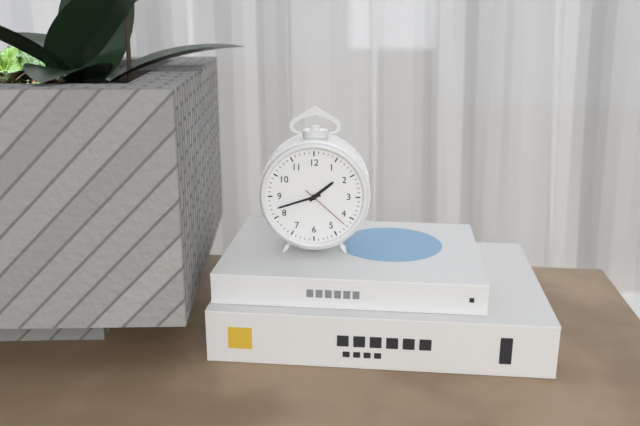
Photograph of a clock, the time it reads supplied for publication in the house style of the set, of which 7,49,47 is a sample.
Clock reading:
1,42,22
